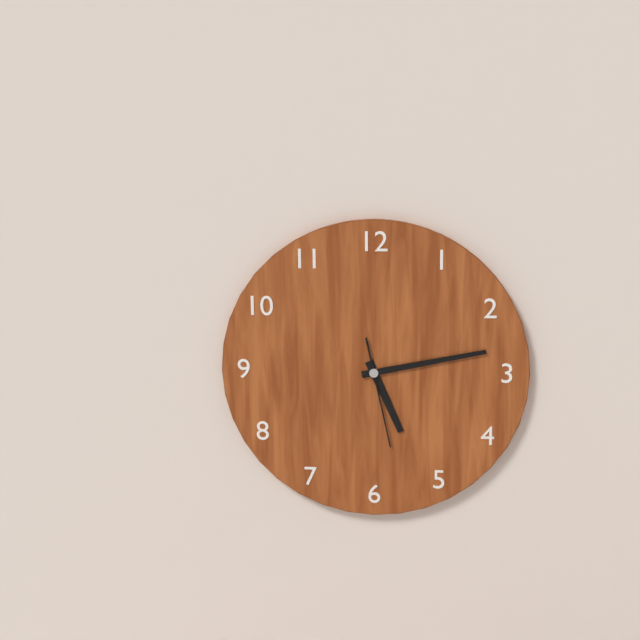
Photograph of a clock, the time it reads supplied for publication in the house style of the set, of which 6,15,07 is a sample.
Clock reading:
5,13,28
